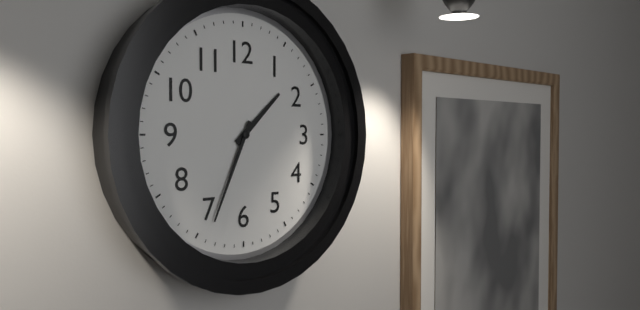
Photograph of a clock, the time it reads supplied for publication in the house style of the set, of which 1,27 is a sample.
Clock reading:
1,34
